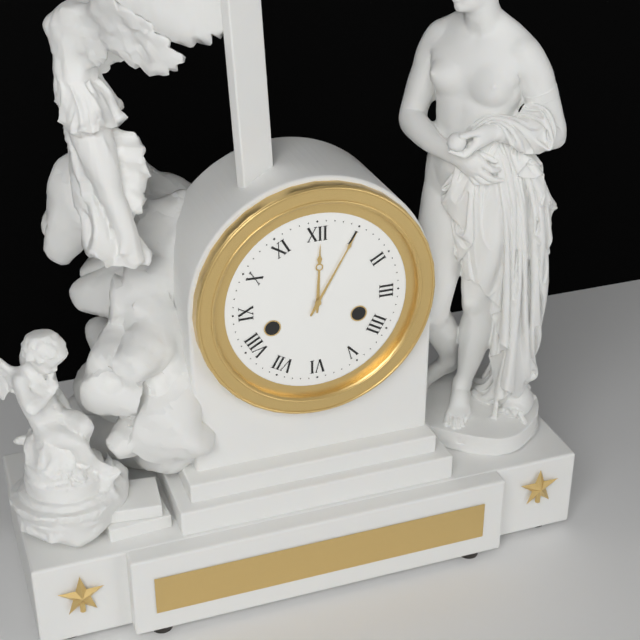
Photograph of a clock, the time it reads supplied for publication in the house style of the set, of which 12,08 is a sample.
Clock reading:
12,05
